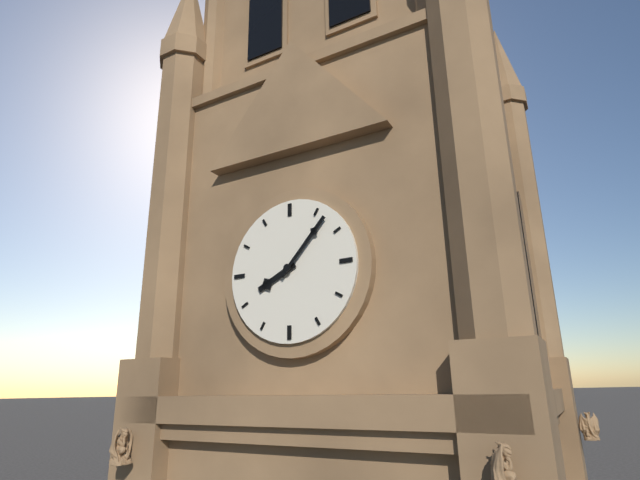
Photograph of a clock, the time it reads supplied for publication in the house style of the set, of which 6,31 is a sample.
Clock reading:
8,07
